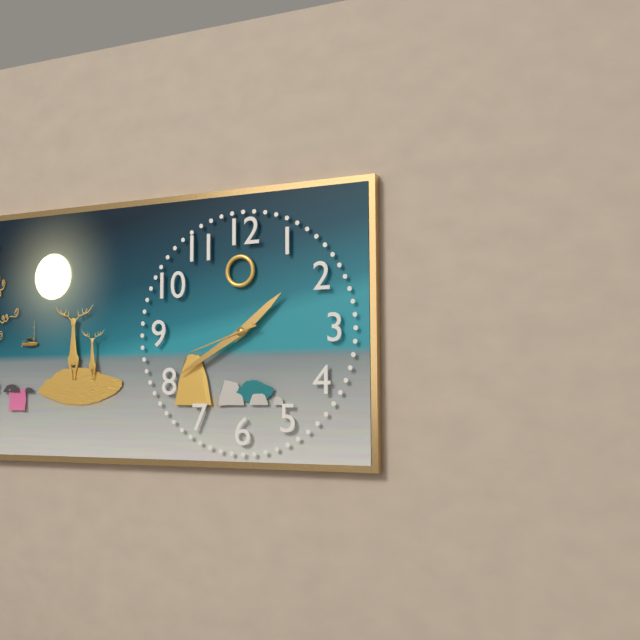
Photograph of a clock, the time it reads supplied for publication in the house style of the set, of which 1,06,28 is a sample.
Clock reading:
1,40,42
